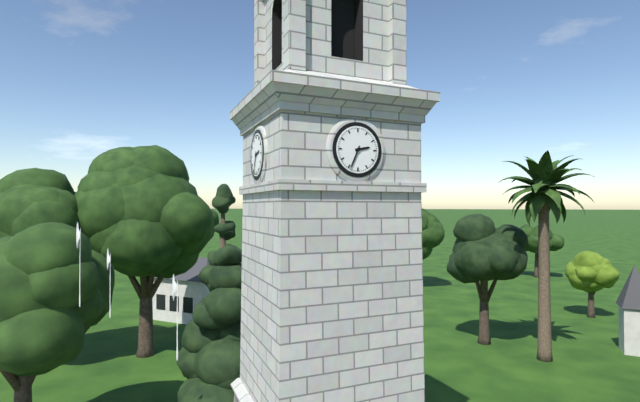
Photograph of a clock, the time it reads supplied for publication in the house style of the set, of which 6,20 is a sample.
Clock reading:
2,34
